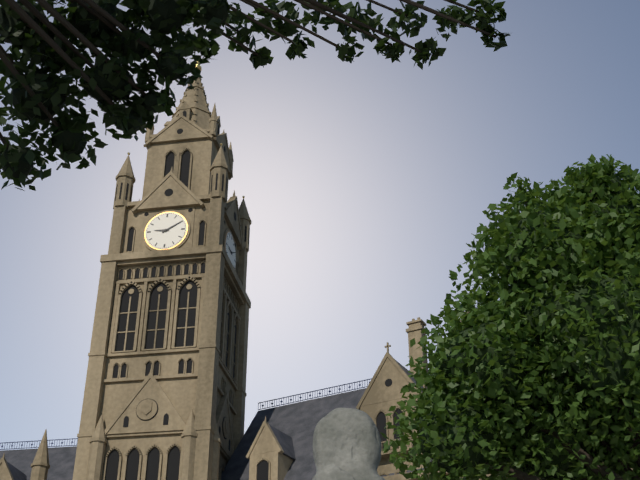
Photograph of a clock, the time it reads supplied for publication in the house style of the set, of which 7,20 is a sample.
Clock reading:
9,10
